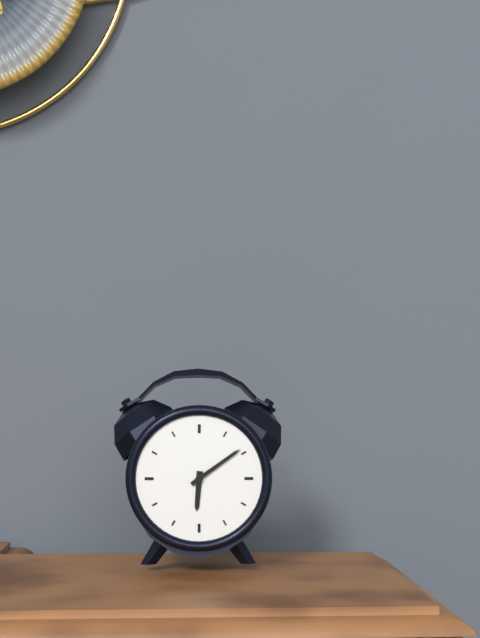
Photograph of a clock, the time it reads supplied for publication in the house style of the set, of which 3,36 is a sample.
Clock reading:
6,09
